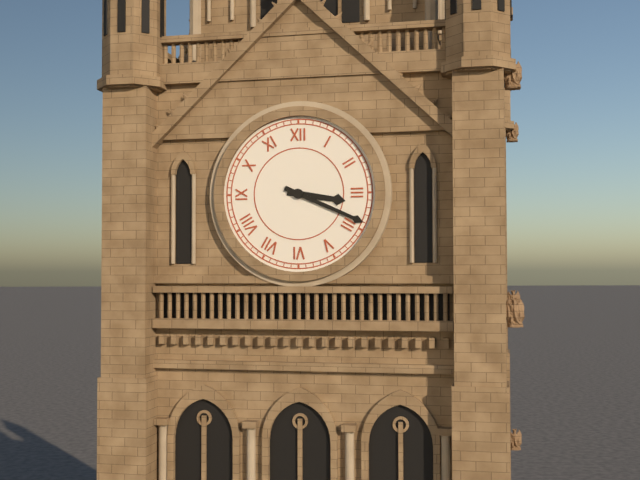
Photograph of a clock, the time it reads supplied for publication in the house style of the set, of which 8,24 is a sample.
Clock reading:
3,19
